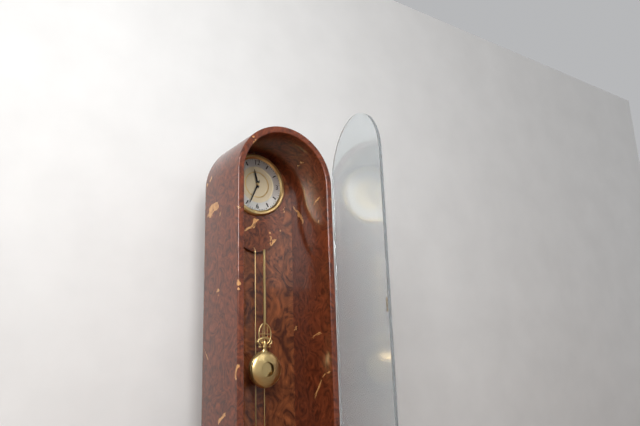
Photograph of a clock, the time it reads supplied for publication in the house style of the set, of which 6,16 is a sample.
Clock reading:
11,34
